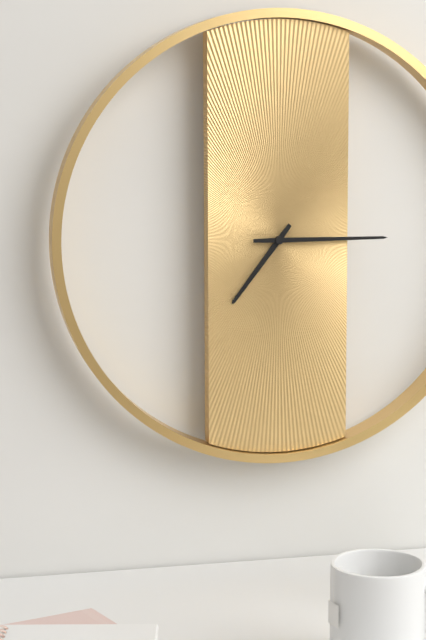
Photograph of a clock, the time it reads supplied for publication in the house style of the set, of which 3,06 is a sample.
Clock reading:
7,15
